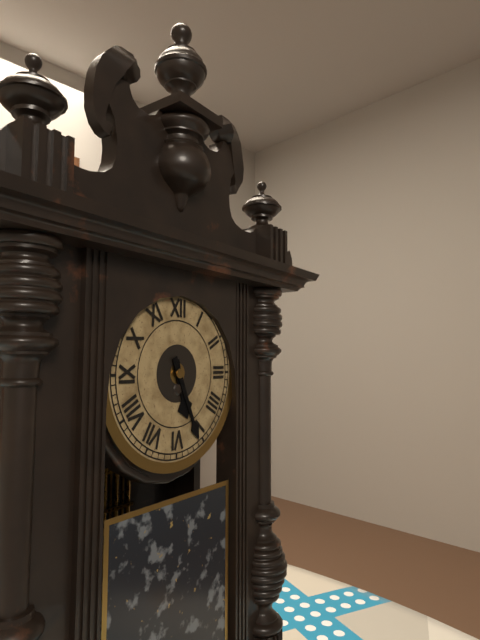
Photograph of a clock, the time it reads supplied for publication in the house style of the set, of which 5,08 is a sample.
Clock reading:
5,26
